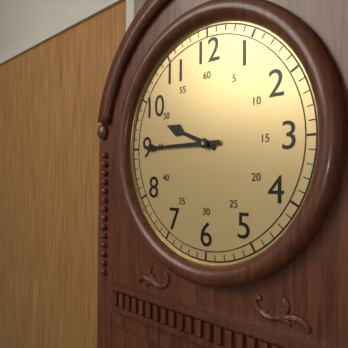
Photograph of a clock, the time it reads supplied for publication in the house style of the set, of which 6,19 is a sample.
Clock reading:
9,45
